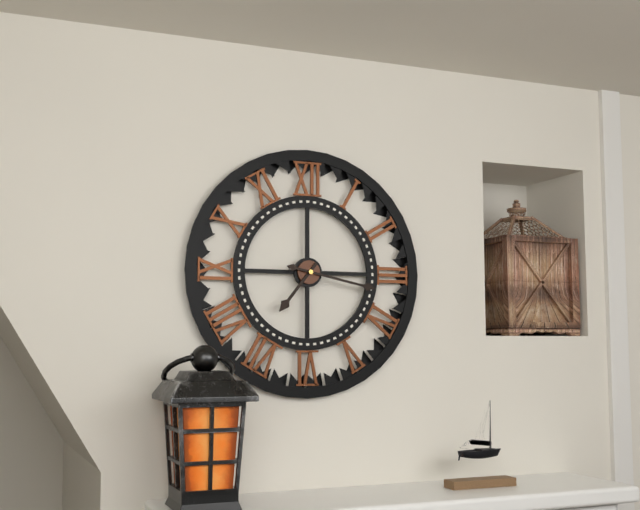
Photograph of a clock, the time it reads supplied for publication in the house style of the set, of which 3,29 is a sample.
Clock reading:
7,17
